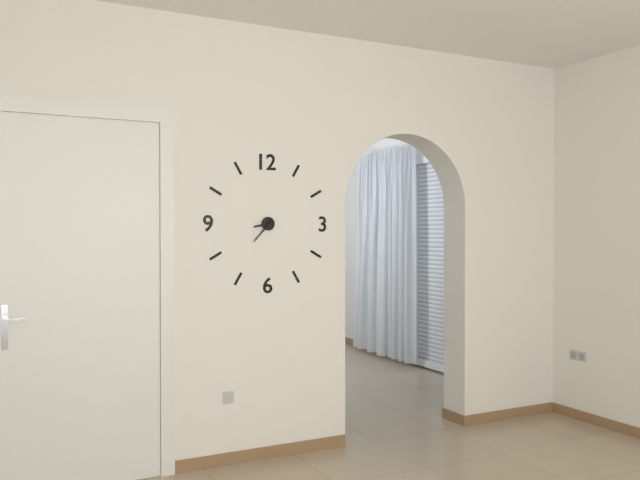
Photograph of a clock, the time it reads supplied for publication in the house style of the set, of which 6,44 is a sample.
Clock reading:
8,37
